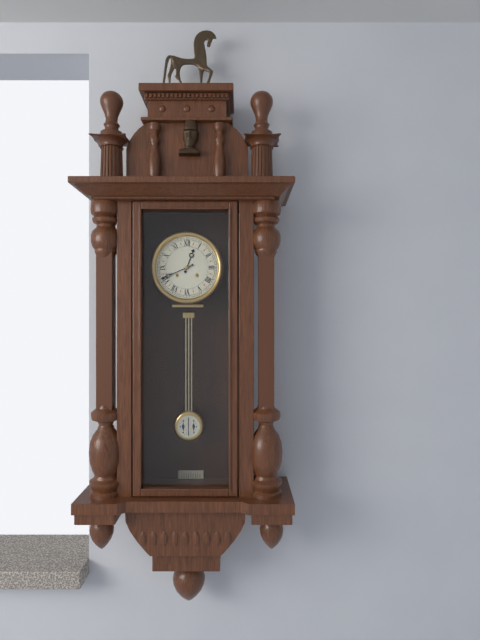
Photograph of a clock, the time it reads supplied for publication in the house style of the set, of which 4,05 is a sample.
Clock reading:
12,41
